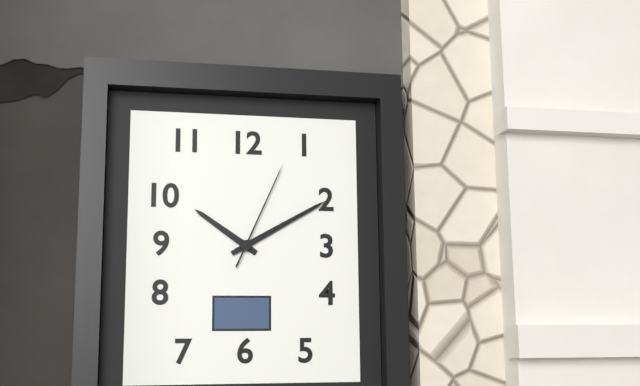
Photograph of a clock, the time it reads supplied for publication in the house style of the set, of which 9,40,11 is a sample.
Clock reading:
10,10,04
